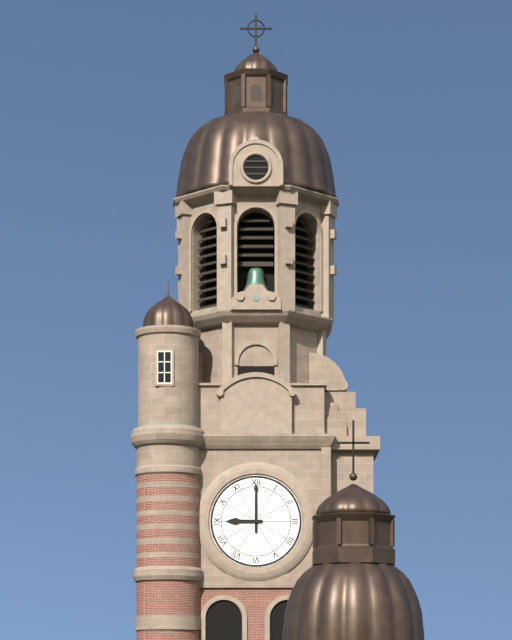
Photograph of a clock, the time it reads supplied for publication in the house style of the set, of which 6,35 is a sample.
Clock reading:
9,00
